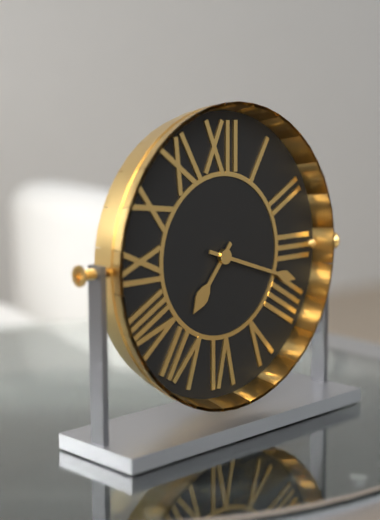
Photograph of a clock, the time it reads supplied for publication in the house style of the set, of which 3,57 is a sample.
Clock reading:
7,18
